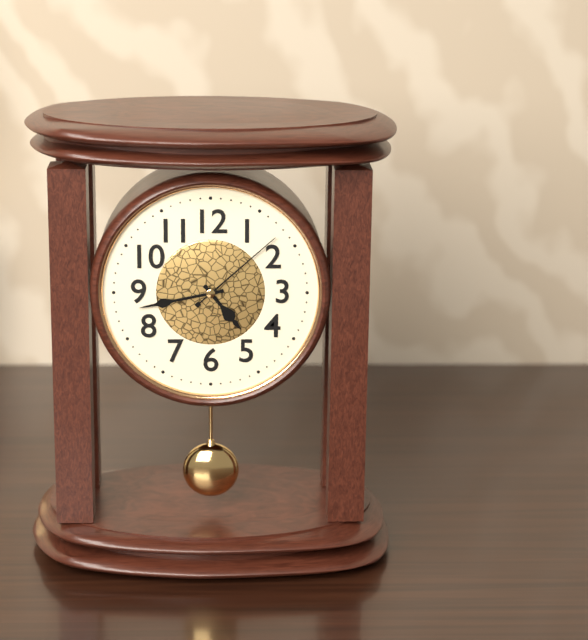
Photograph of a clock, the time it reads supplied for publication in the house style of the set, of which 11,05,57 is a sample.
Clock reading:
4,43,08
